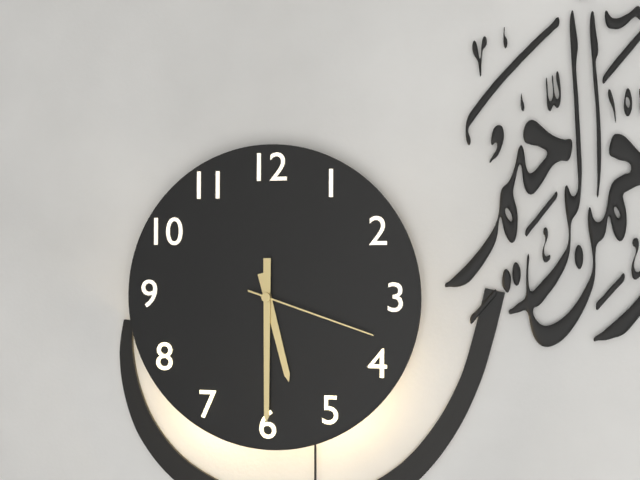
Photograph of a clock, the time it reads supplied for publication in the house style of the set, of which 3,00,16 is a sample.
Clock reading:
5,30,18
